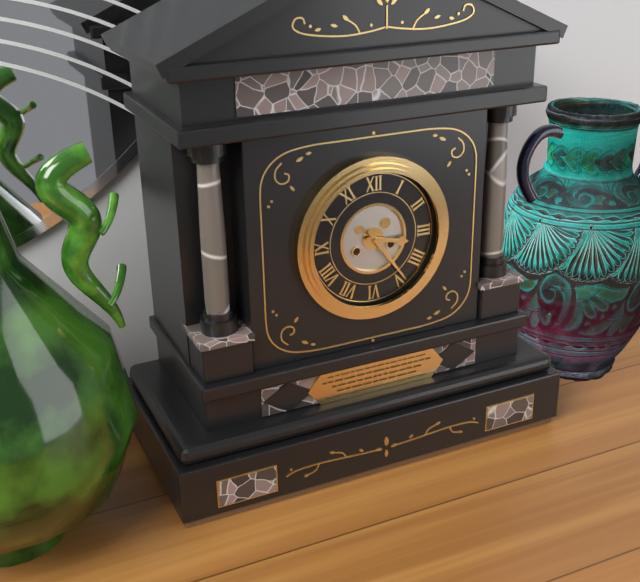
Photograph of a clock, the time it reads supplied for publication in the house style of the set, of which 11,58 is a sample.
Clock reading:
3,24
